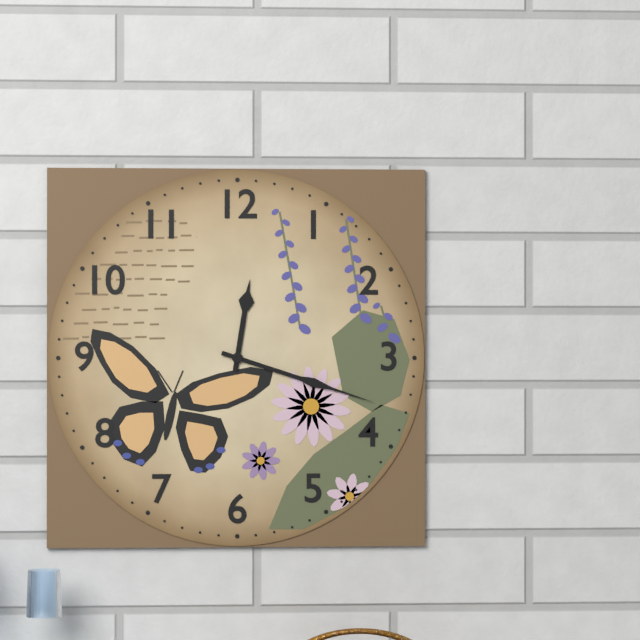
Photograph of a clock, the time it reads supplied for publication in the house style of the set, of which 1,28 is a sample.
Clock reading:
12,18
